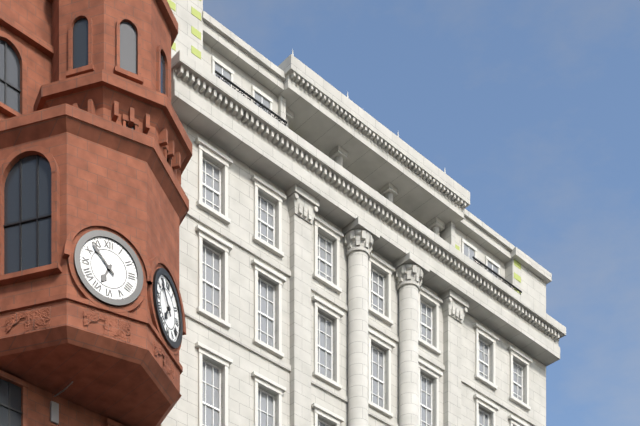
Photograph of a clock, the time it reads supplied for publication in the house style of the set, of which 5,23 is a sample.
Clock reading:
6,53
